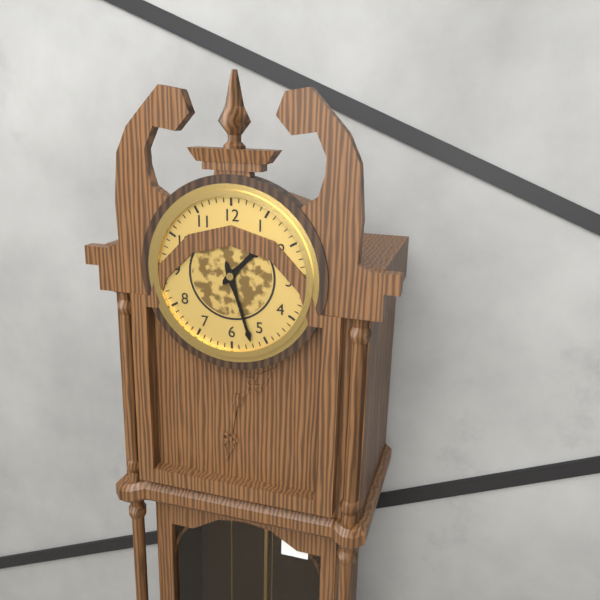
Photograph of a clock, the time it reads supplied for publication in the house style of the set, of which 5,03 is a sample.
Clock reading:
1,27
